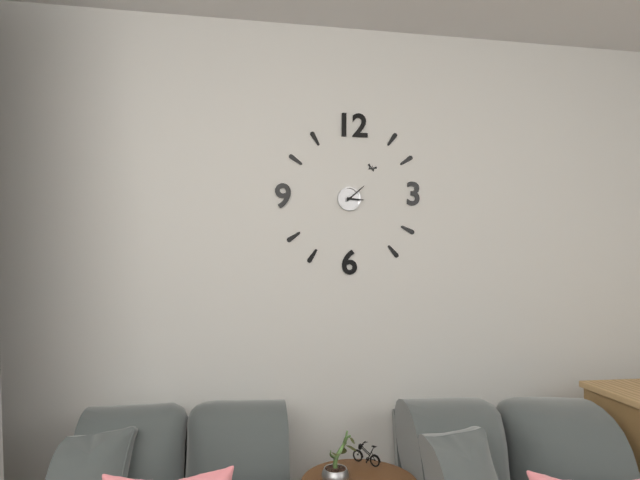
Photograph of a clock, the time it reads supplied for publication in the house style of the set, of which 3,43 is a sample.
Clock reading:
3,08
